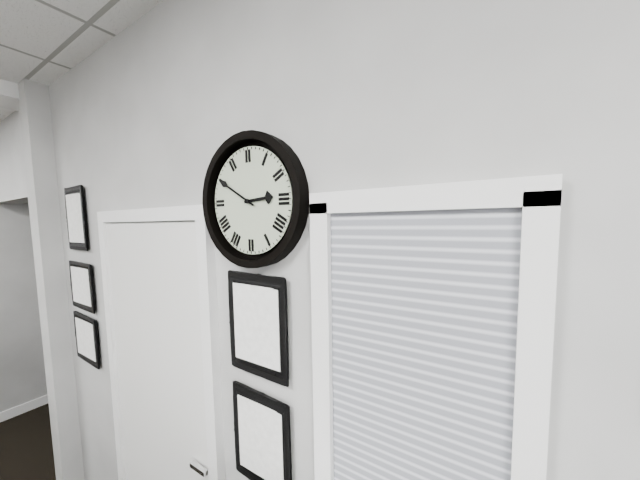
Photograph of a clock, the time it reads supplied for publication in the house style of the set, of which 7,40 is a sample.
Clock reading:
2,50
